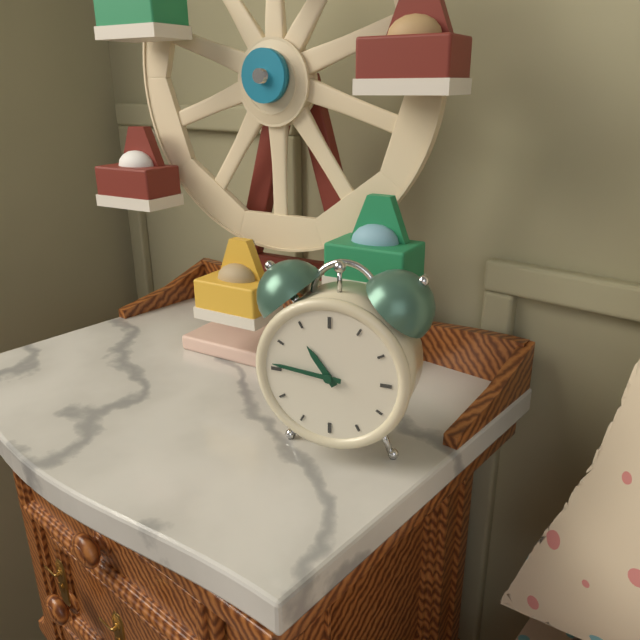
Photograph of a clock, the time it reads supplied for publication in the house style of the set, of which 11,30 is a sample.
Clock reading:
10,46
